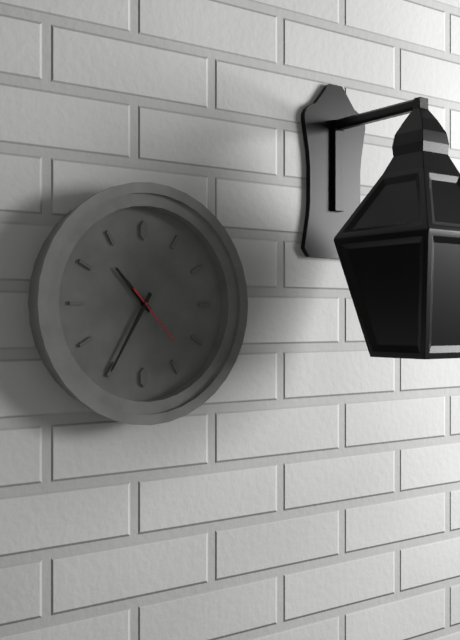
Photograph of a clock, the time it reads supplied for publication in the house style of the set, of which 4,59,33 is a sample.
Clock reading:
10,35,23
